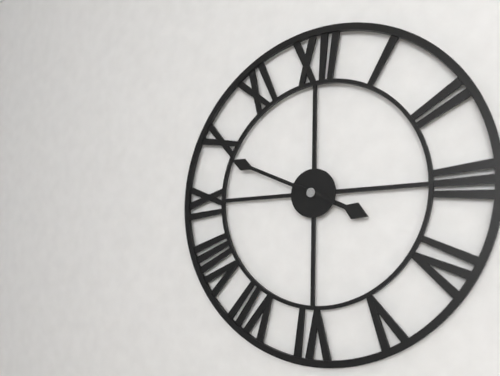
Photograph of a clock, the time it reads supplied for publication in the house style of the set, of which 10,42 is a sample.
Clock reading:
3,49
